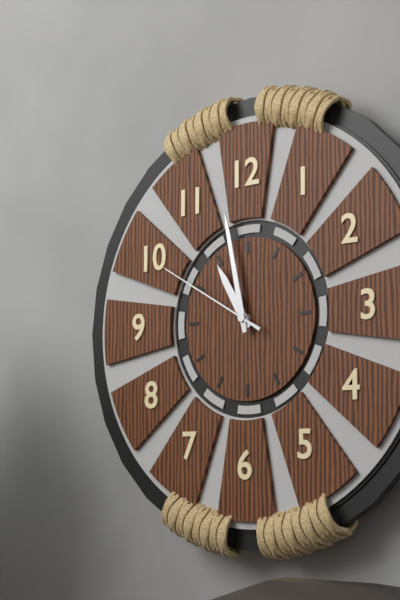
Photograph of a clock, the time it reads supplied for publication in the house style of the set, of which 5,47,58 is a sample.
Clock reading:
10,58,50
